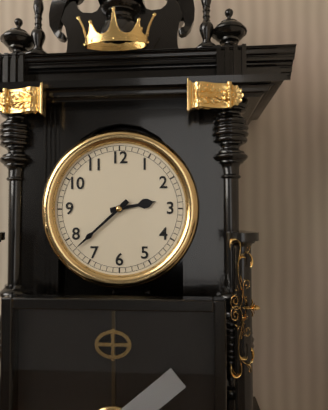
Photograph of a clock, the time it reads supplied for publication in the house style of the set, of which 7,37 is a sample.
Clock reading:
2,38
